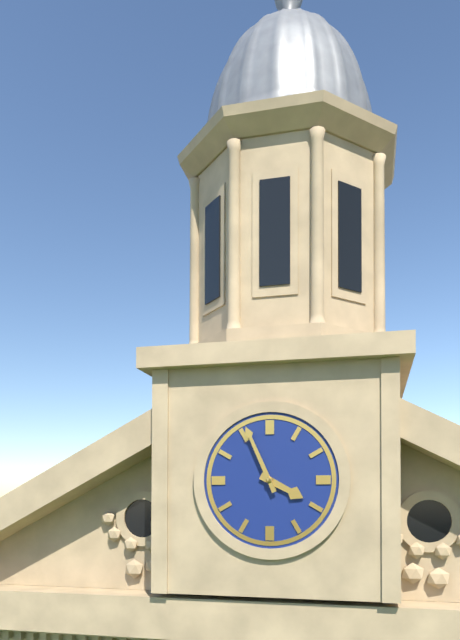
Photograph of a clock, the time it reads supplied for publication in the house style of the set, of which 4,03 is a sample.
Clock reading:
3,56
